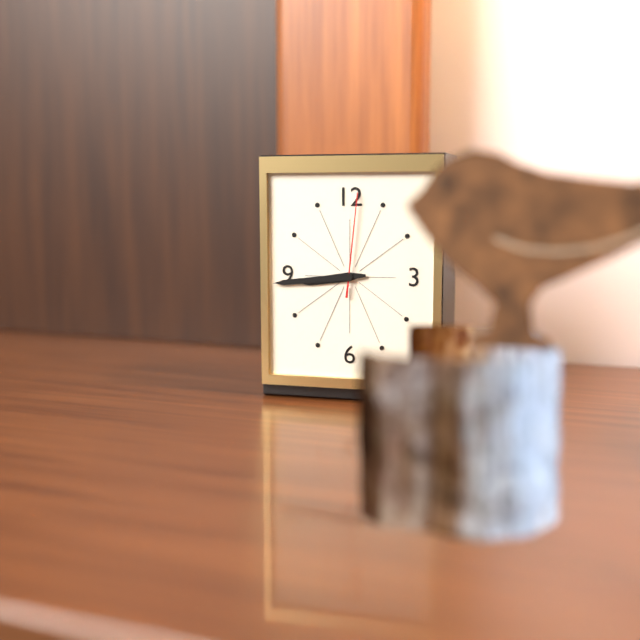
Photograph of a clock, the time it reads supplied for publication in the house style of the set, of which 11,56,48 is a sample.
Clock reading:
8,44,01
